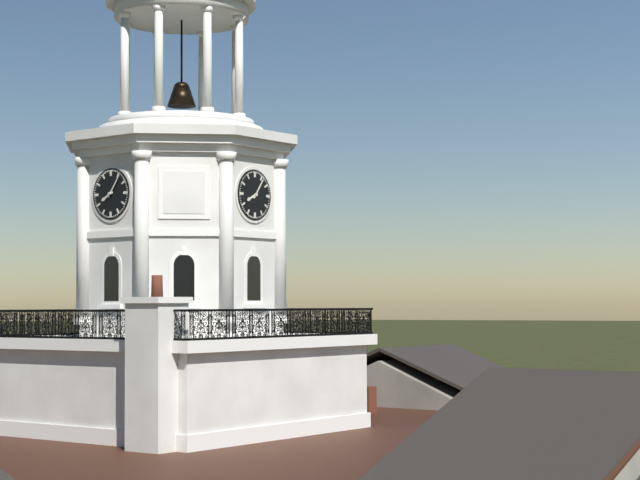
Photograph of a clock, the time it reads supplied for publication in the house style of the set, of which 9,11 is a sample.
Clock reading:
8,06
